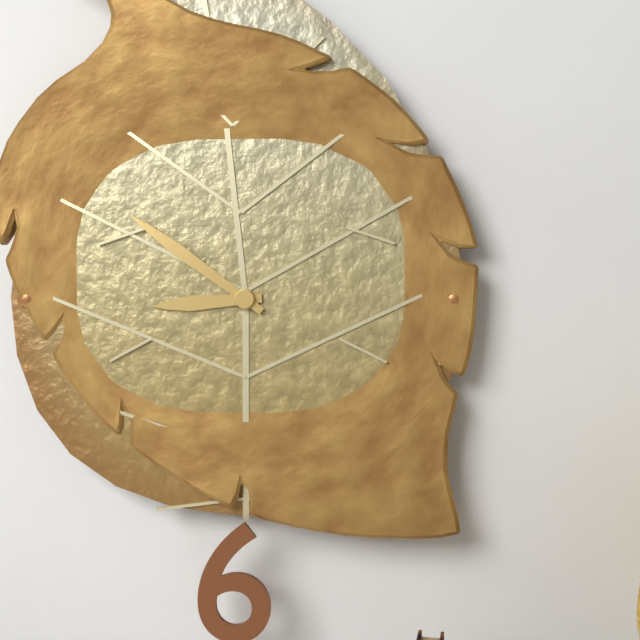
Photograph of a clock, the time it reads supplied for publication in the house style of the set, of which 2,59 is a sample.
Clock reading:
8,51
